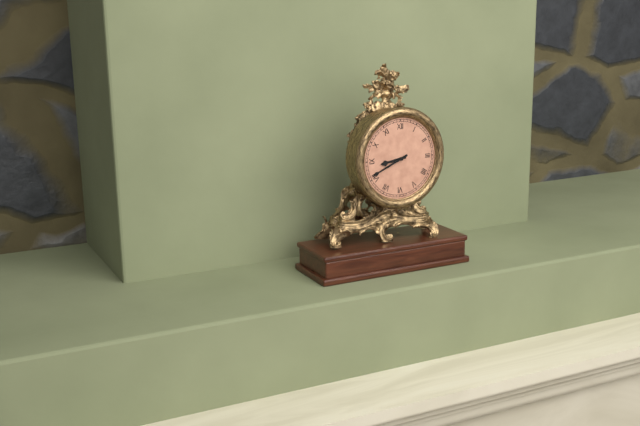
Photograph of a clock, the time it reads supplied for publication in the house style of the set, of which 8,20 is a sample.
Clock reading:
8,41
